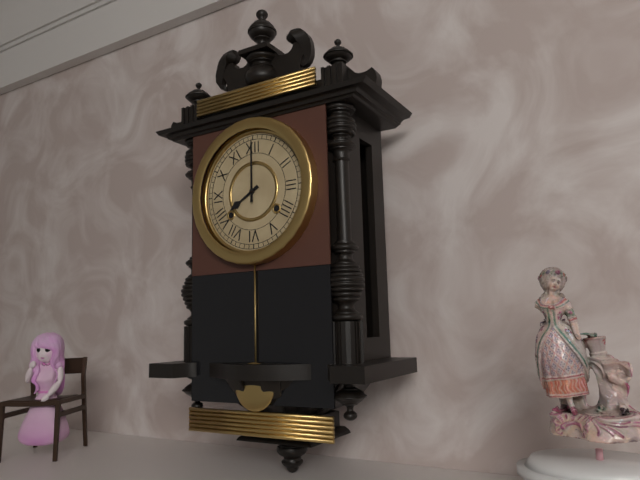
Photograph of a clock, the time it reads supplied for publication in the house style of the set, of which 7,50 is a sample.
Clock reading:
8,00
